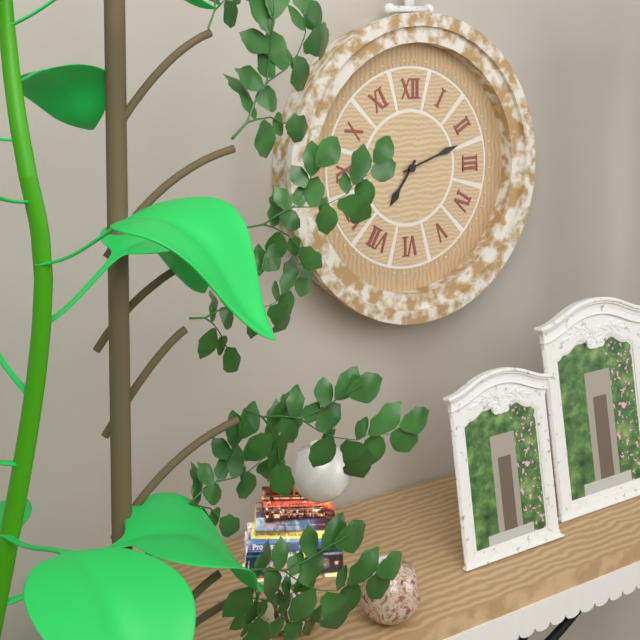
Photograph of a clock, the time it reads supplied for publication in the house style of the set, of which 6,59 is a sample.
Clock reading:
7,12
